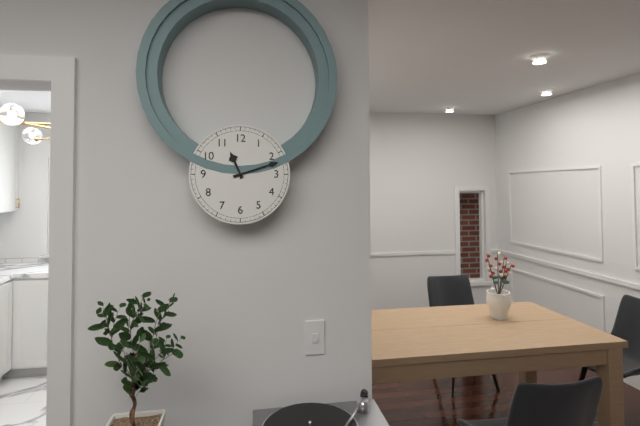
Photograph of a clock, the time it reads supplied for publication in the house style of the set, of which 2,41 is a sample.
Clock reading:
11,12
